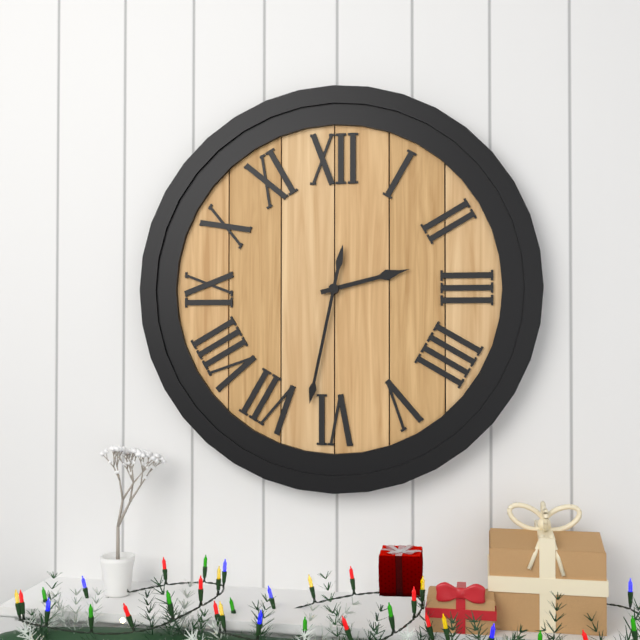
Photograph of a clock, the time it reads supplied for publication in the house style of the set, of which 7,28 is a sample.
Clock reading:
2,32
